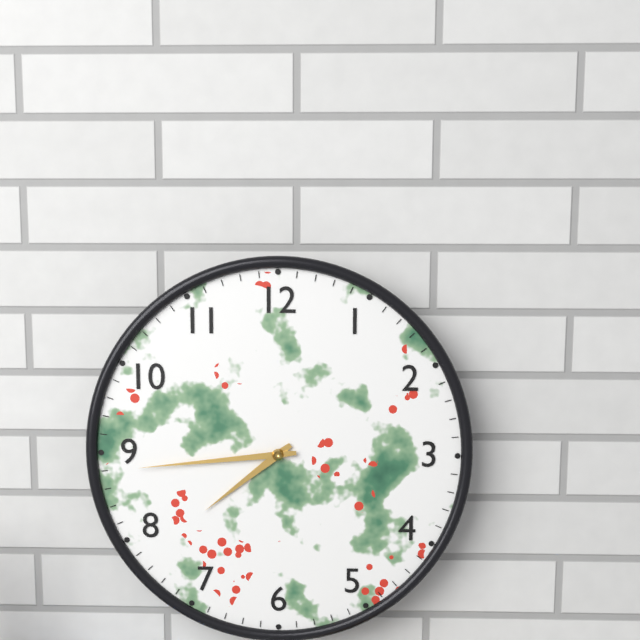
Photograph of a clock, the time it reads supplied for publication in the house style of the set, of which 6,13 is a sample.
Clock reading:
7,44
